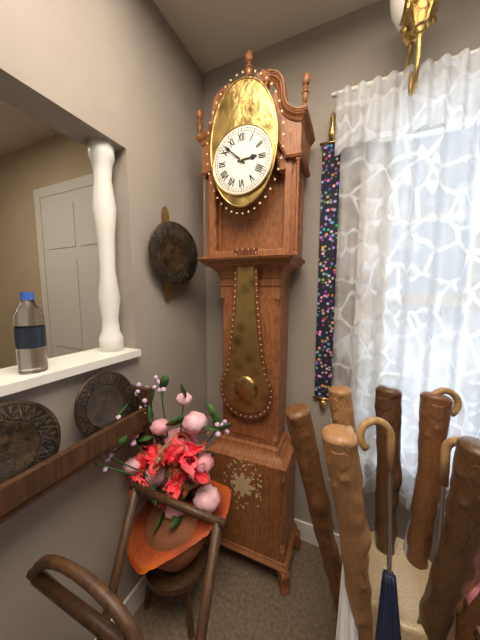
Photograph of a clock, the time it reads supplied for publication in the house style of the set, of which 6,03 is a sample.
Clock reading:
2,52
